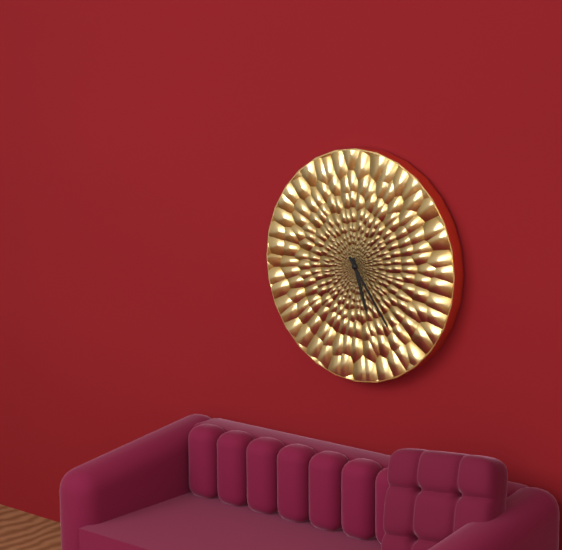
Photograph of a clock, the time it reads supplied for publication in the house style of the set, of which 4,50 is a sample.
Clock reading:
5,24
